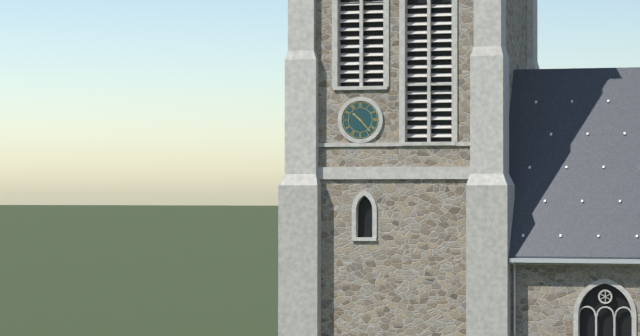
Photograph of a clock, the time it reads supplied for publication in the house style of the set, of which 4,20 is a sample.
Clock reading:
10,23
